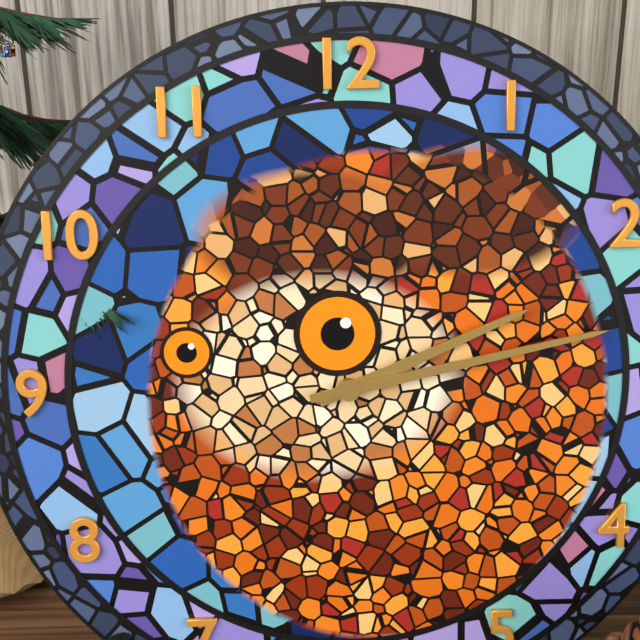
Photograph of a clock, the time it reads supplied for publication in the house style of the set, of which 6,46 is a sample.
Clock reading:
2,13
